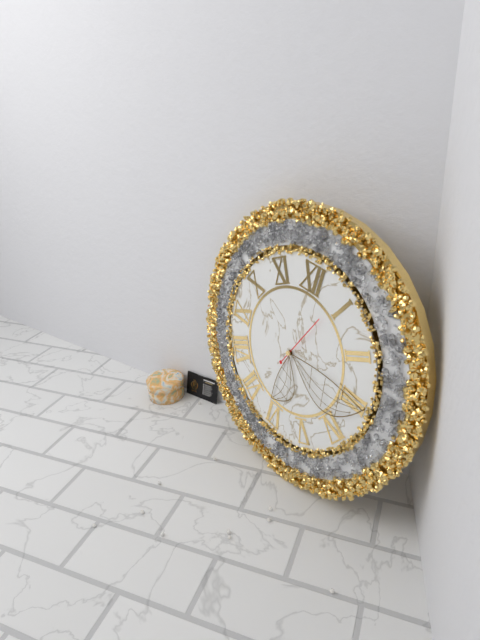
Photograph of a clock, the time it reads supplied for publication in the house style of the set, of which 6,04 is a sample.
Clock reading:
6,15
